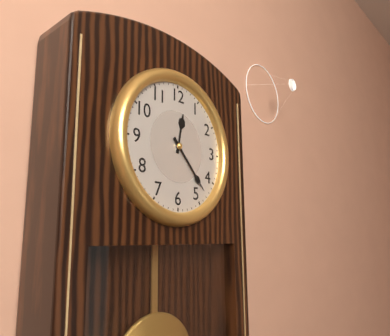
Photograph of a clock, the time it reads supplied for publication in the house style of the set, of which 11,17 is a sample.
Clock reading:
12,23
